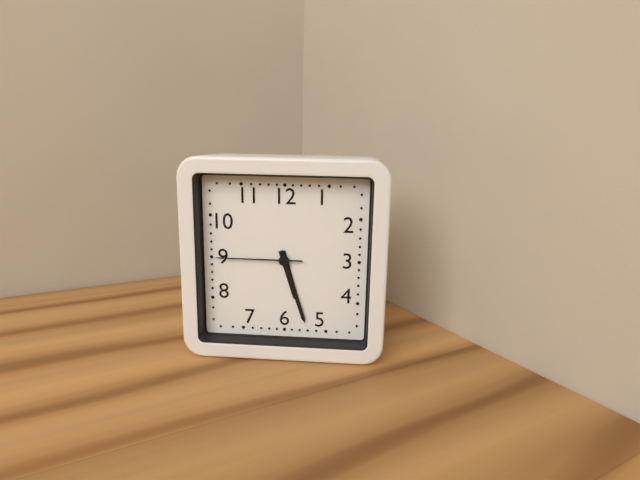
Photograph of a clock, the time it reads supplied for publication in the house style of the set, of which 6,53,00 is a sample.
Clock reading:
5,27,45
